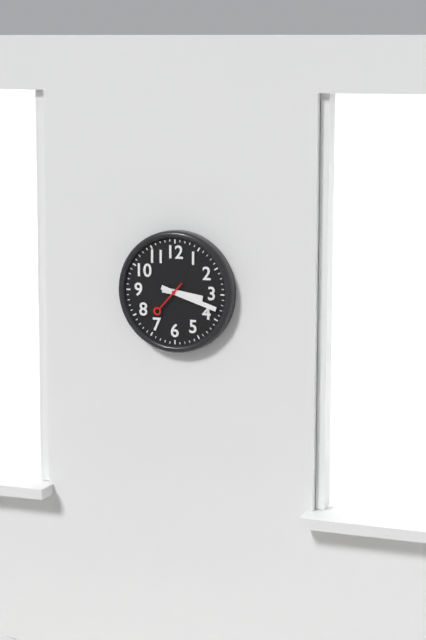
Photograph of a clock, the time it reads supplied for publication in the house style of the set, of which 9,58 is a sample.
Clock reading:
3,18
